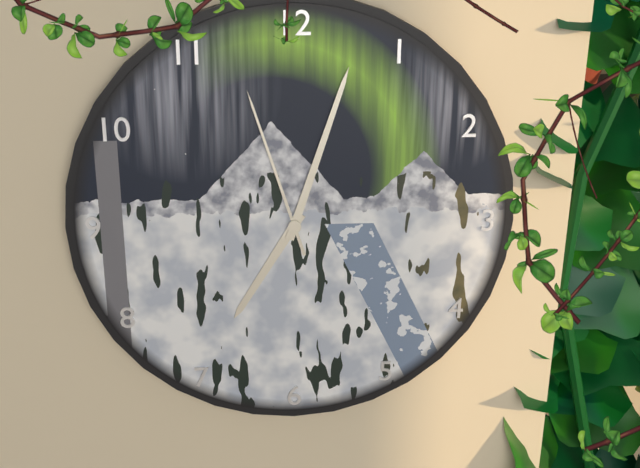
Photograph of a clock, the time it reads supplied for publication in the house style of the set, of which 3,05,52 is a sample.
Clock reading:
7,03,57
